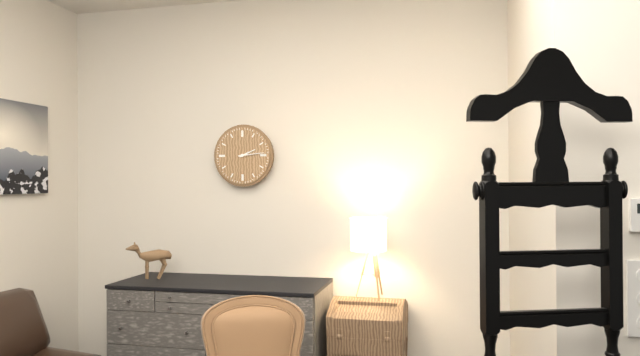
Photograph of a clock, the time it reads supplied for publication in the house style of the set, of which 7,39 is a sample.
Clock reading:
2,14
